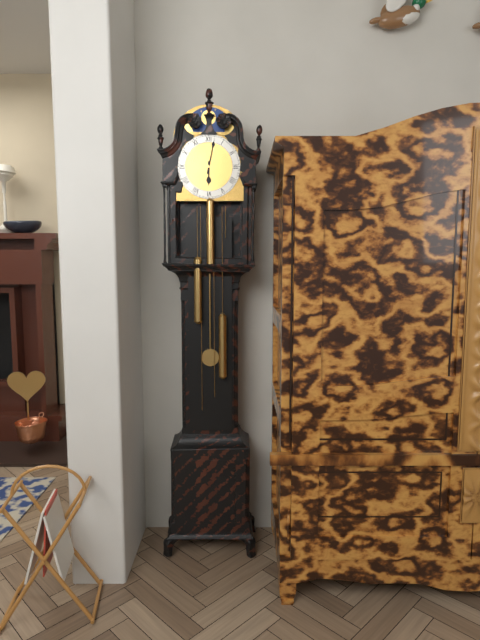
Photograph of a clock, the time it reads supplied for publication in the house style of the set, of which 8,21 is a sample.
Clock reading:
6,02
